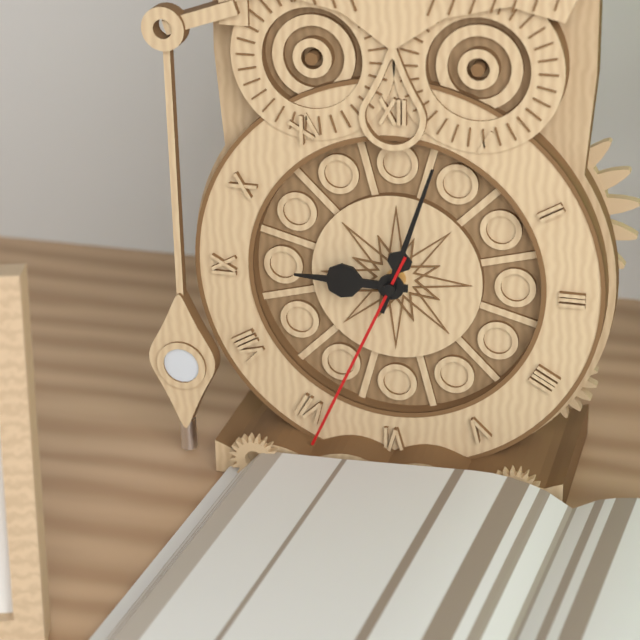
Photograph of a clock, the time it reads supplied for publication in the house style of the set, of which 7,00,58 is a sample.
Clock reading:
9,03,34
